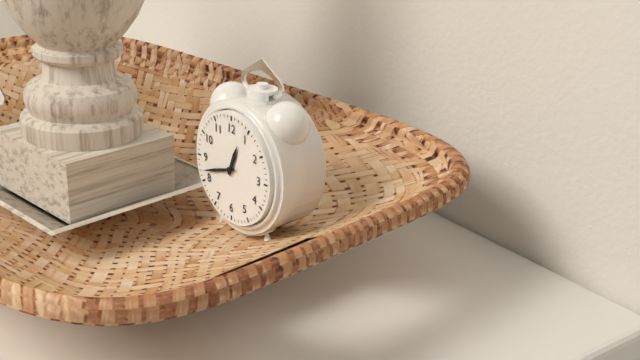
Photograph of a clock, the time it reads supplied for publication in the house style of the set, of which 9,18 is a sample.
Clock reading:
12,42
